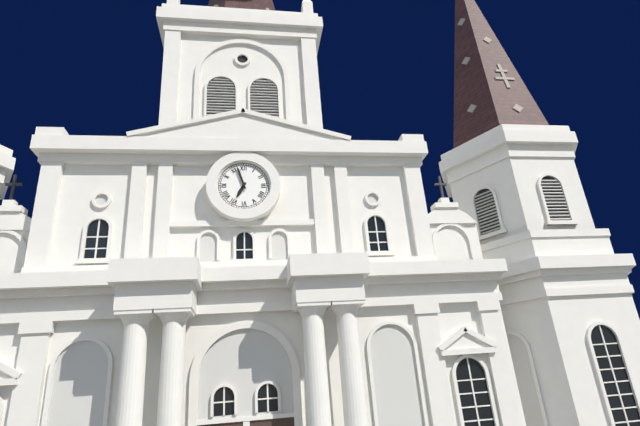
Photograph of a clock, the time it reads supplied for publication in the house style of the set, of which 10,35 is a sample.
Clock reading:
6,57
